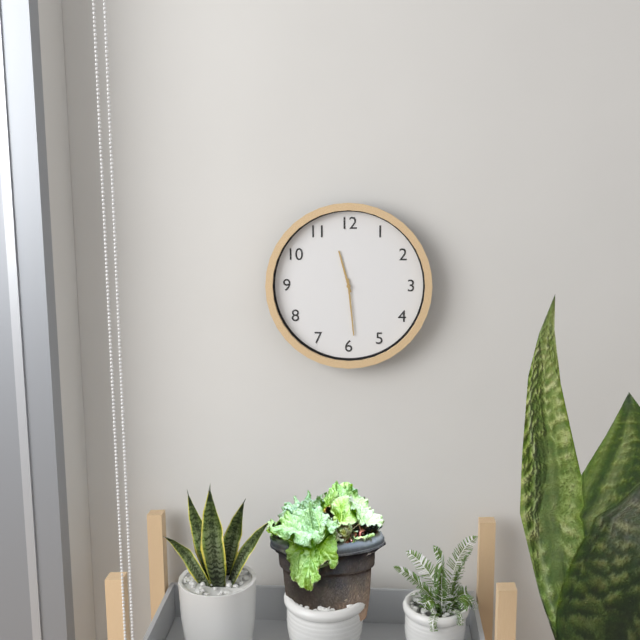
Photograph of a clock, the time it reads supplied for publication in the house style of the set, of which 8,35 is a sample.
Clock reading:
11,29
